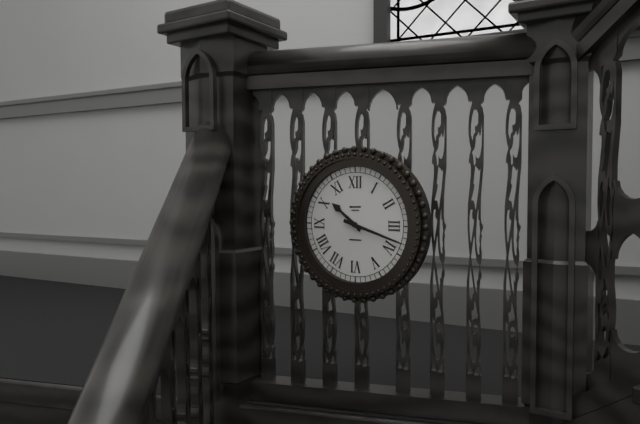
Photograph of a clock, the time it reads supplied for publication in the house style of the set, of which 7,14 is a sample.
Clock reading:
10,18
